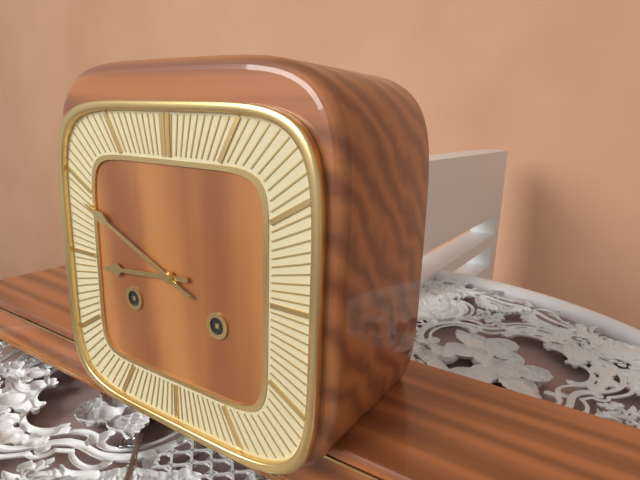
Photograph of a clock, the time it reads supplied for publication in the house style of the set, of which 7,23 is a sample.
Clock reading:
8,49
